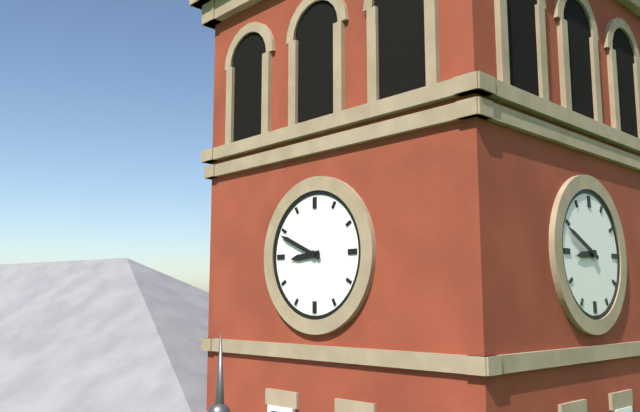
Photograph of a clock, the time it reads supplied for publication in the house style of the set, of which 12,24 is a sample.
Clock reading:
8,49
